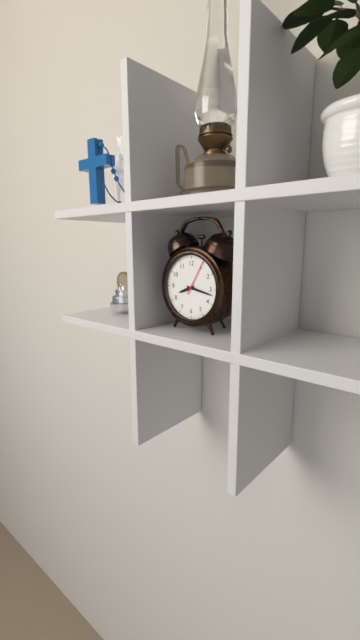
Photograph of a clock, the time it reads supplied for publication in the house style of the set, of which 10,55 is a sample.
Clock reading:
8,17
